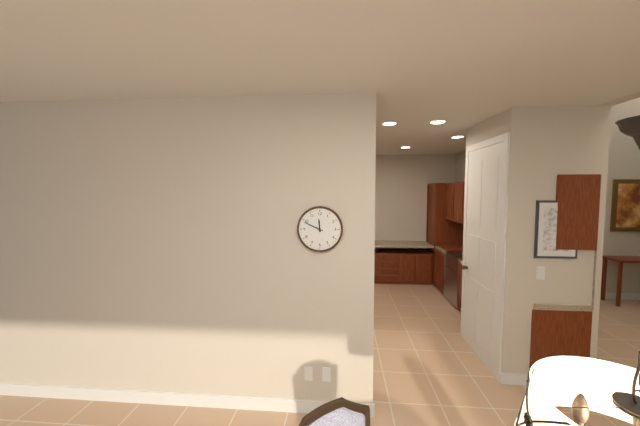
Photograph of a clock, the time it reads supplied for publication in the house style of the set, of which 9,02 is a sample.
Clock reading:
11,49
